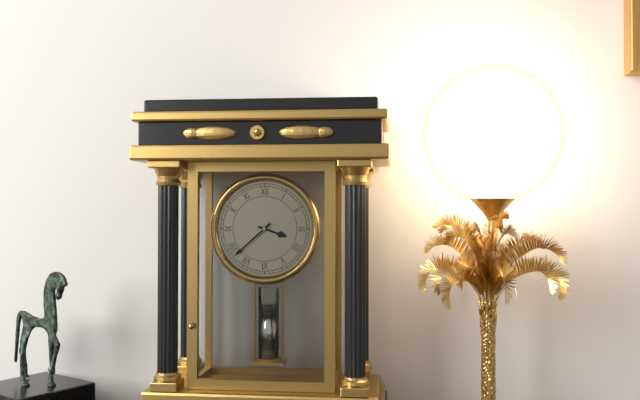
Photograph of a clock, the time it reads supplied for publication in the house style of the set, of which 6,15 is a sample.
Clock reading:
3,38
